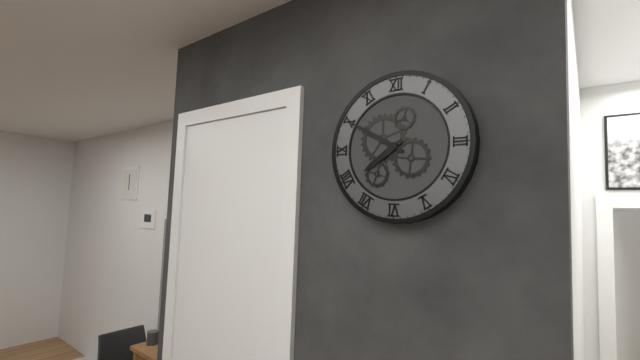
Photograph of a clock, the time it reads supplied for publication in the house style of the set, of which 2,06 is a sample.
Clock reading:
7,50
